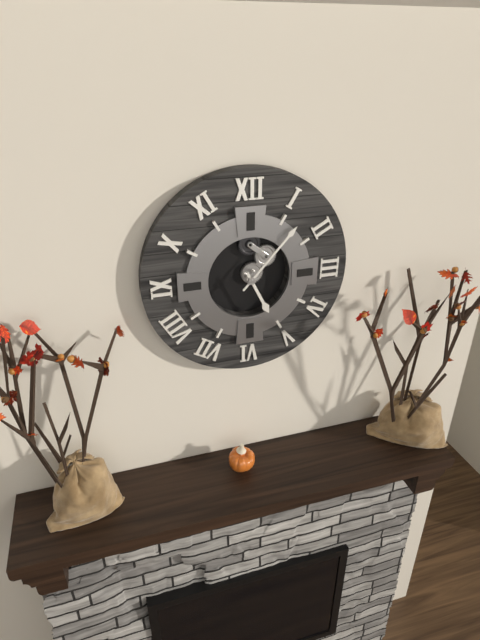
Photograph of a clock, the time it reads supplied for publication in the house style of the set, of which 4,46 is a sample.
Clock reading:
5,07
